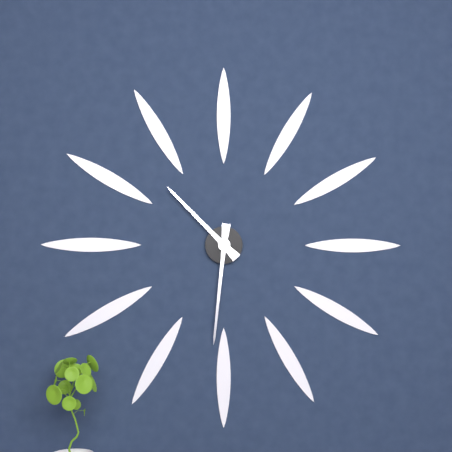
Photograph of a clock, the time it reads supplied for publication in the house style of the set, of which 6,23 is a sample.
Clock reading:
10,31
